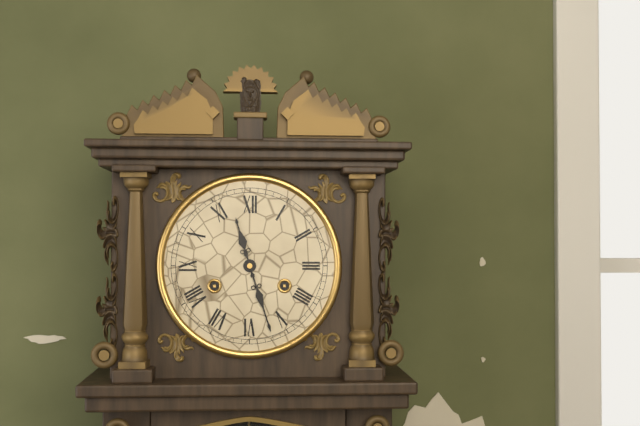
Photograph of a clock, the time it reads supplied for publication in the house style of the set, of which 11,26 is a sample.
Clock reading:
11,27
